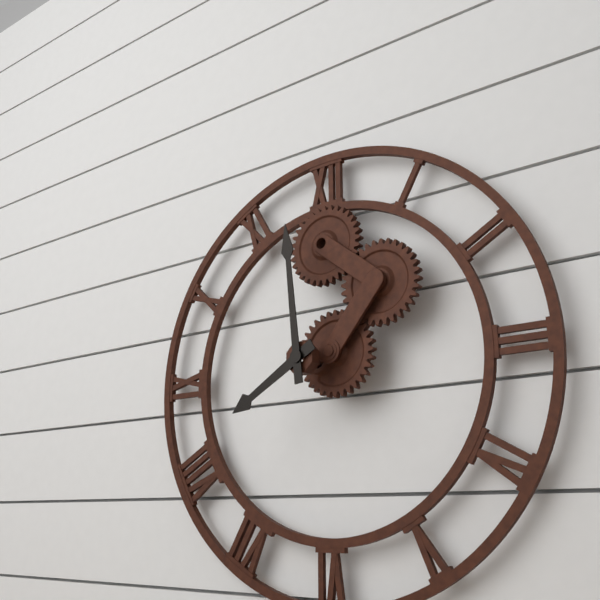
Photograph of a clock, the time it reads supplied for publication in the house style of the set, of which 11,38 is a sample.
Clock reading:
7,59
